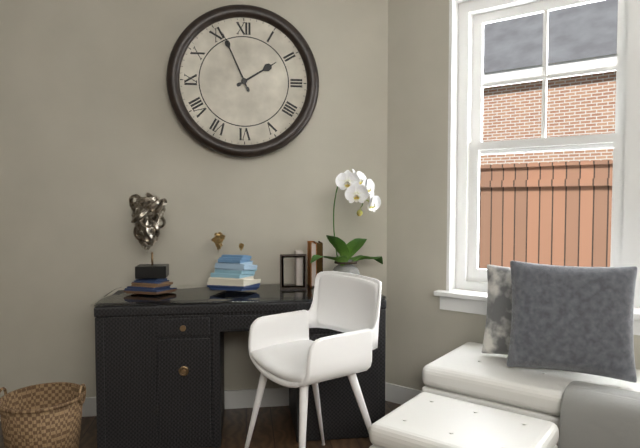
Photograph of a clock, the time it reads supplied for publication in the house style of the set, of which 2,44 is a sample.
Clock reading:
1,56
